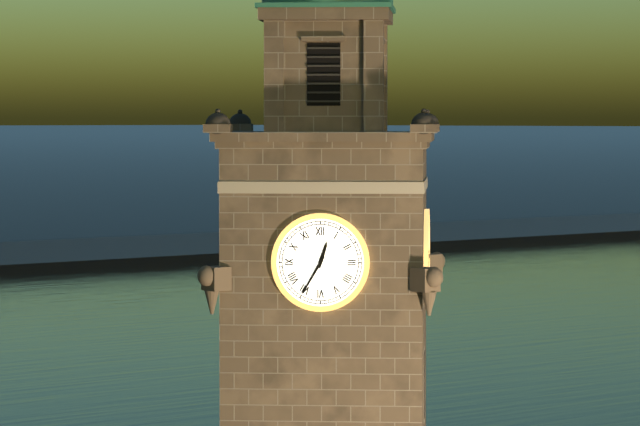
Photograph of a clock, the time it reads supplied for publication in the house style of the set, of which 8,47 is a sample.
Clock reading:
12,35
